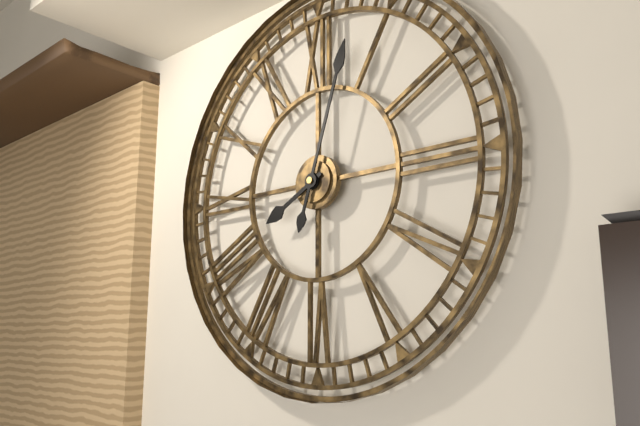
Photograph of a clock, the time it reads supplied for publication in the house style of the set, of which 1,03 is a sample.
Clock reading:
8,03
